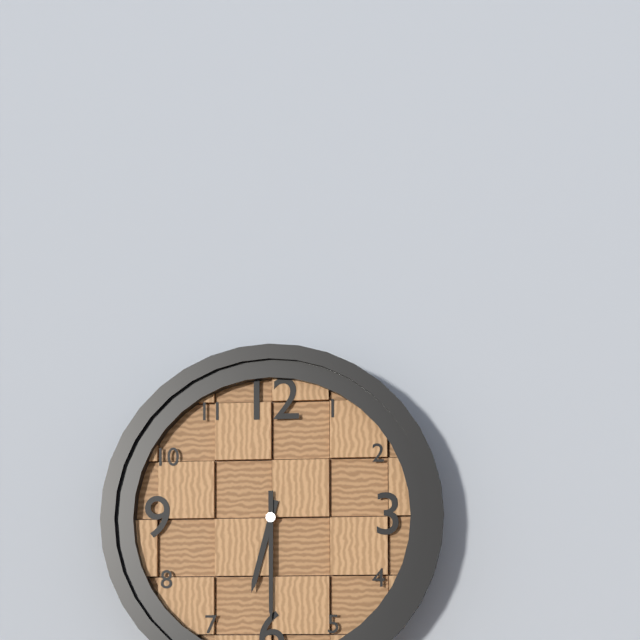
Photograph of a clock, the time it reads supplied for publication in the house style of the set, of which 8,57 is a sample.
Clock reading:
6,30
